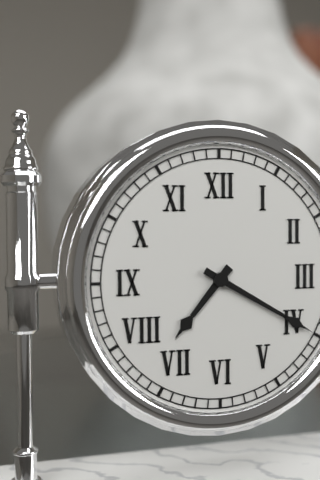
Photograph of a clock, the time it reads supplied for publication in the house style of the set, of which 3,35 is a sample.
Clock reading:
7,20
